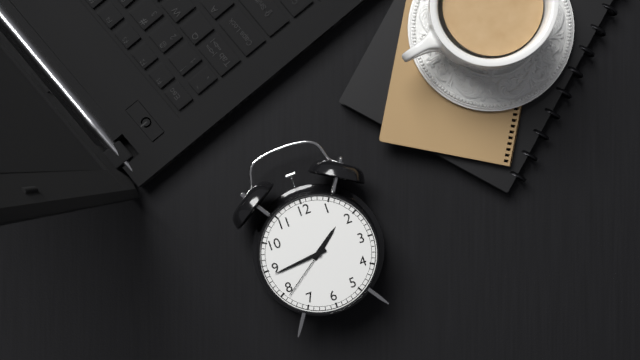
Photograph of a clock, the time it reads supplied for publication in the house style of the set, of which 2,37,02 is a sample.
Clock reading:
1,44,39
